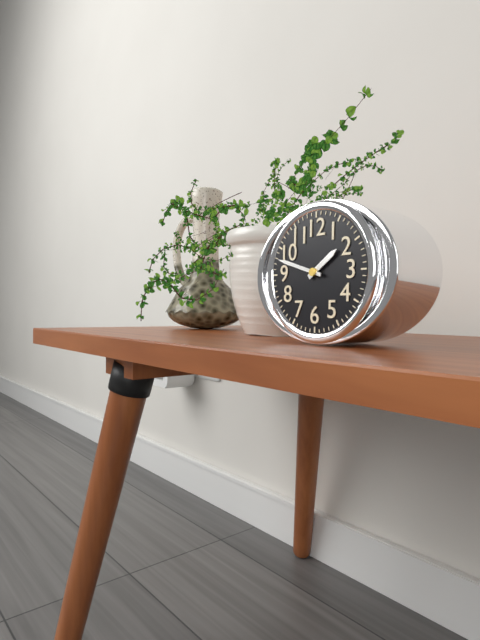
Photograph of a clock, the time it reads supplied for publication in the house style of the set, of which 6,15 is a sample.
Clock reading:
1,48
